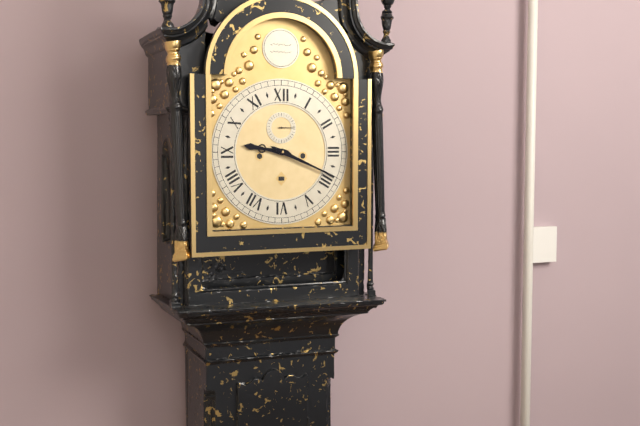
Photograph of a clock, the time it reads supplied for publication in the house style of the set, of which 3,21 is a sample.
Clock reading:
9,19
